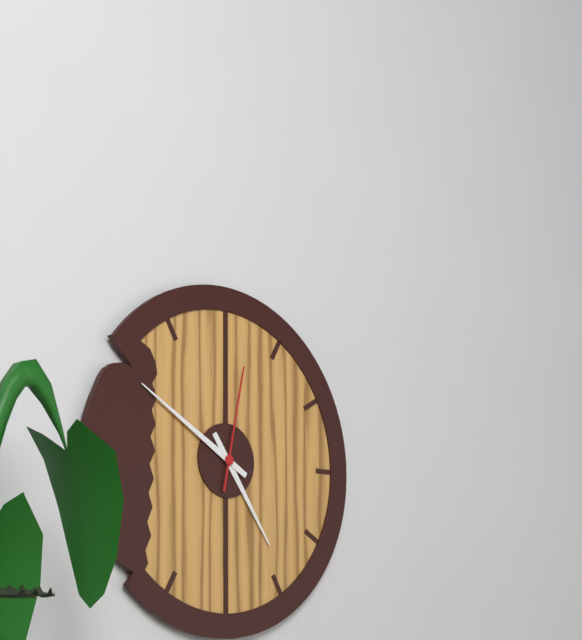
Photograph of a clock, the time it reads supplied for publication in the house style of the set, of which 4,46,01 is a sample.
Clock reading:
4,50,02
